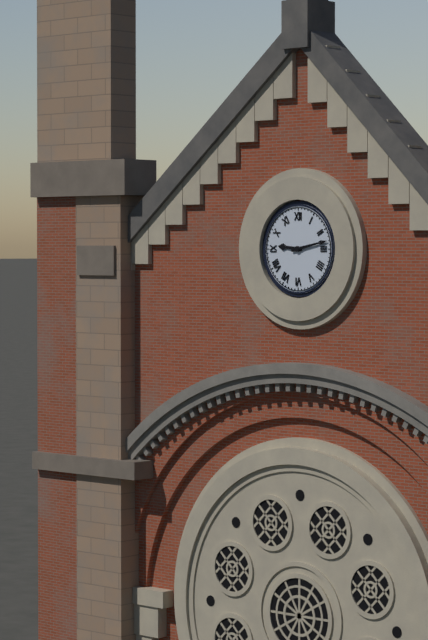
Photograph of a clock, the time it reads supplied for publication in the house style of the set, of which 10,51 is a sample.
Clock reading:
9,13
